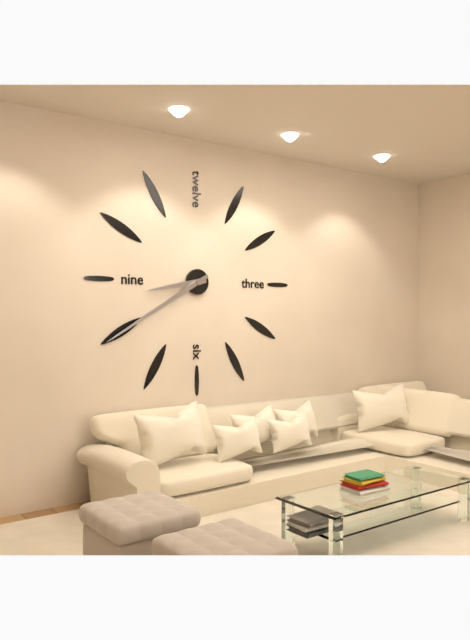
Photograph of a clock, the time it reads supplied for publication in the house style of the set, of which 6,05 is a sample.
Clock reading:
8,40
